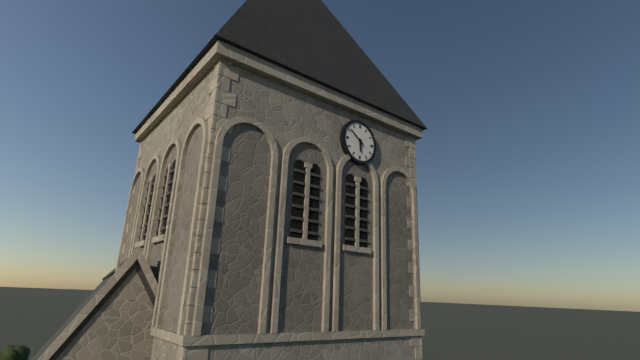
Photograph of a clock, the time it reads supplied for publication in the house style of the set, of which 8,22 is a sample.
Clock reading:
5,51
